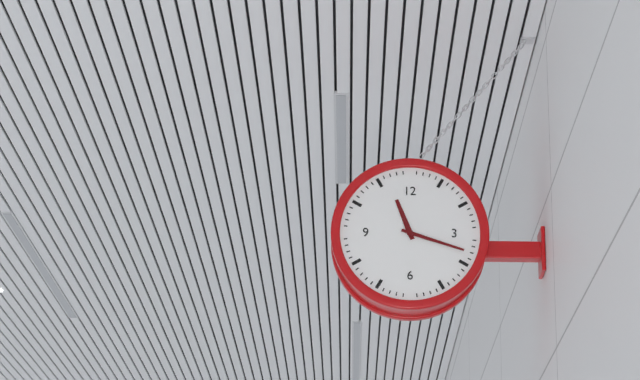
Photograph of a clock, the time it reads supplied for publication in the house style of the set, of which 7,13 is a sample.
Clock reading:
11,18
